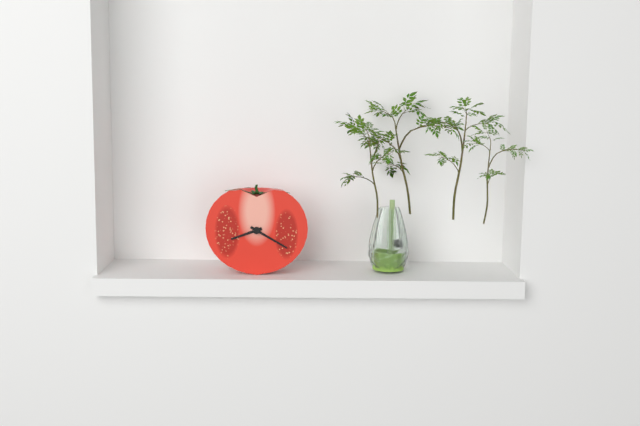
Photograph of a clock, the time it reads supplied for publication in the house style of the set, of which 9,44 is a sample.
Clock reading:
8,20
